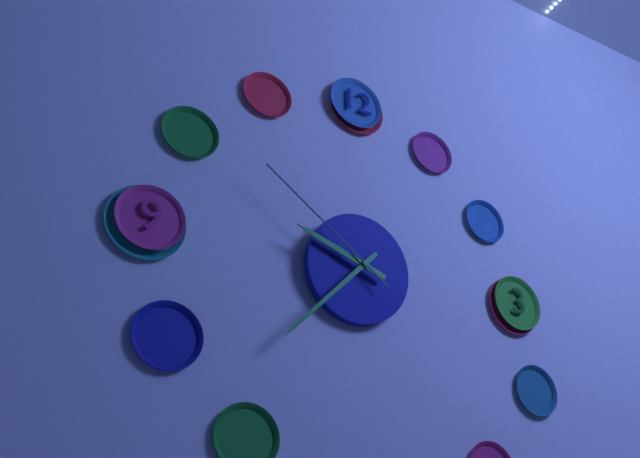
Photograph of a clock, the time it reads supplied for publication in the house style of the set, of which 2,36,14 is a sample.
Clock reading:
9,37,51
